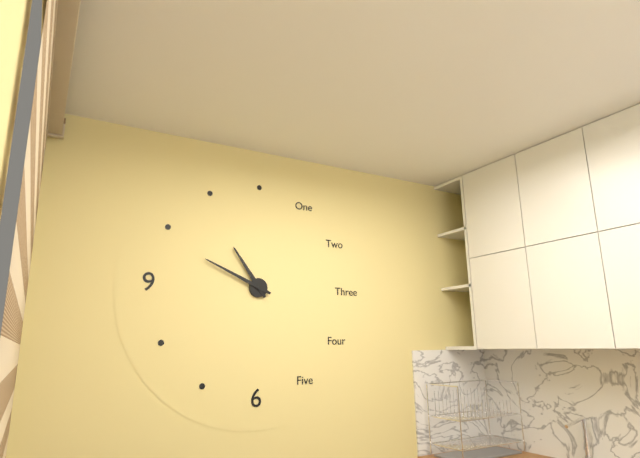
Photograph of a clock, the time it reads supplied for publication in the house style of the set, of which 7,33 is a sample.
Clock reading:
10,49
